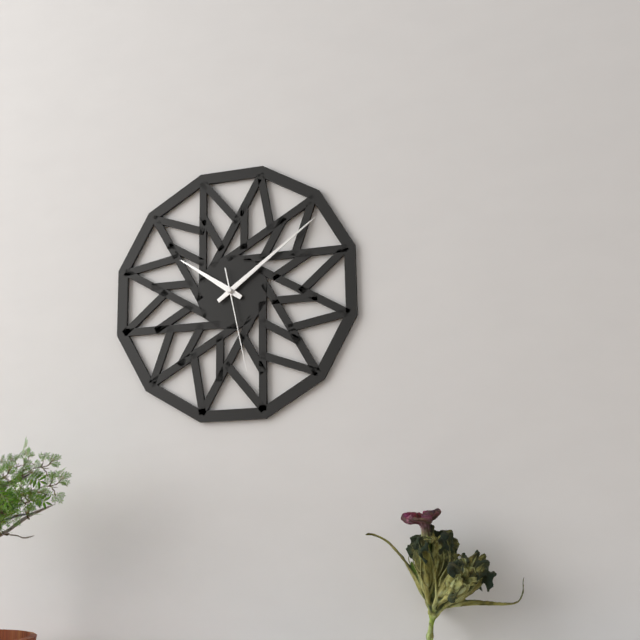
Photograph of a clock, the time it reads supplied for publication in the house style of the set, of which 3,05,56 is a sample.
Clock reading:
10,09,28
